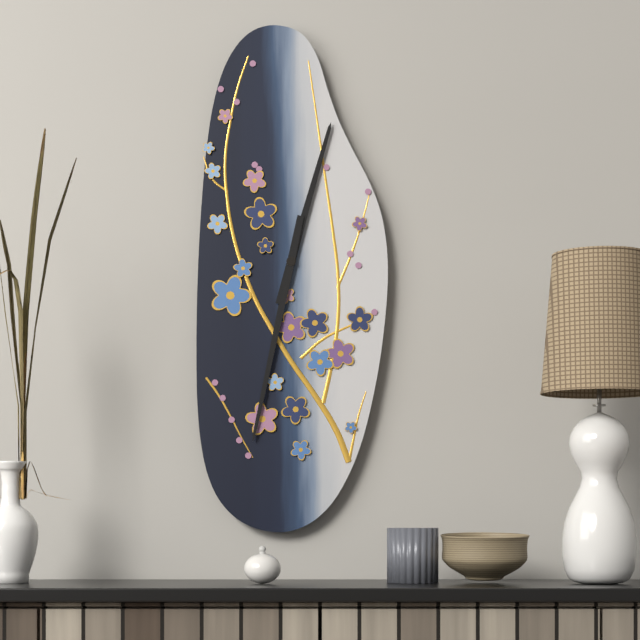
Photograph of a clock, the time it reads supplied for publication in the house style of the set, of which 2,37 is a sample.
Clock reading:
12,32
